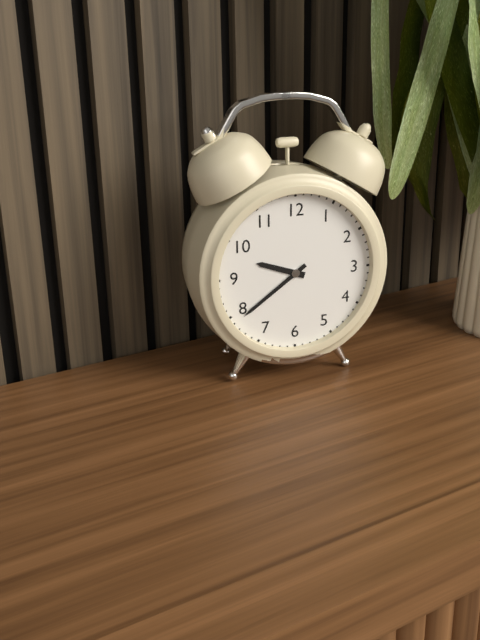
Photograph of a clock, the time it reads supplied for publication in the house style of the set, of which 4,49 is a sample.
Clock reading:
9,39
